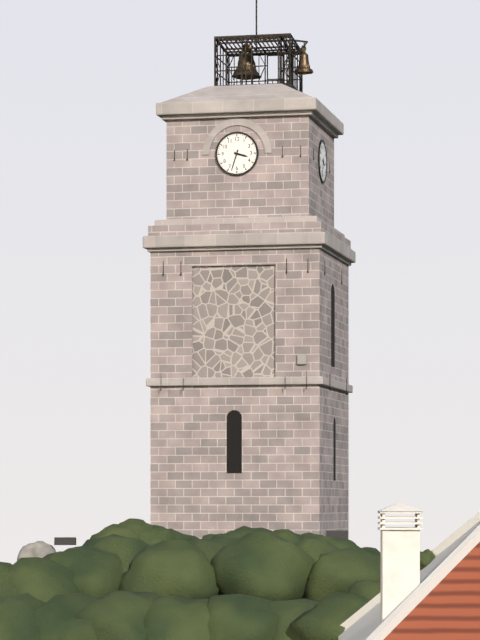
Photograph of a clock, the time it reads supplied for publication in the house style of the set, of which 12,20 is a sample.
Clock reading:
3,33
